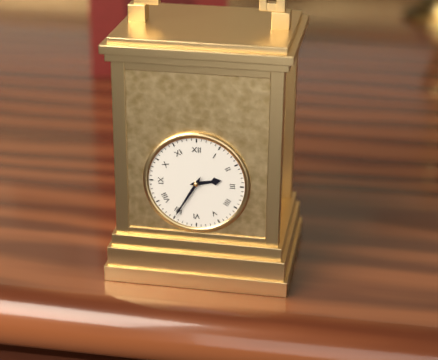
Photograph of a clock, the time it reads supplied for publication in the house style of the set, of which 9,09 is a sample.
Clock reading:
2,35
